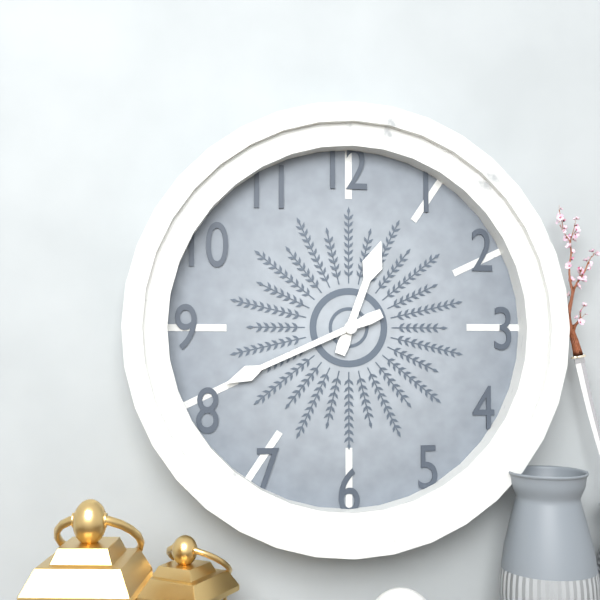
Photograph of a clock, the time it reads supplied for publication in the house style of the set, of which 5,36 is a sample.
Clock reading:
12,41
